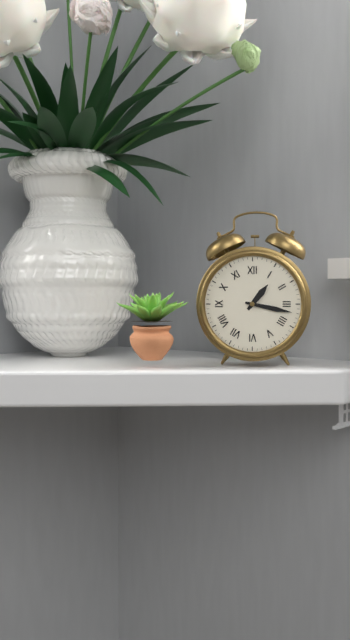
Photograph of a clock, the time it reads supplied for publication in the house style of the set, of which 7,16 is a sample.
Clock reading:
1,17
